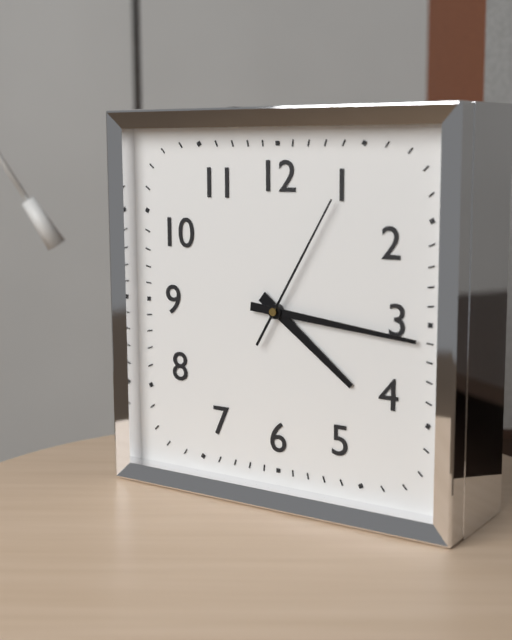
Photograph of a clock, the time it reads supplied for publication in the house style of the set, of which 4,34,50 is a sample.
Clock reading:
4,16,05
